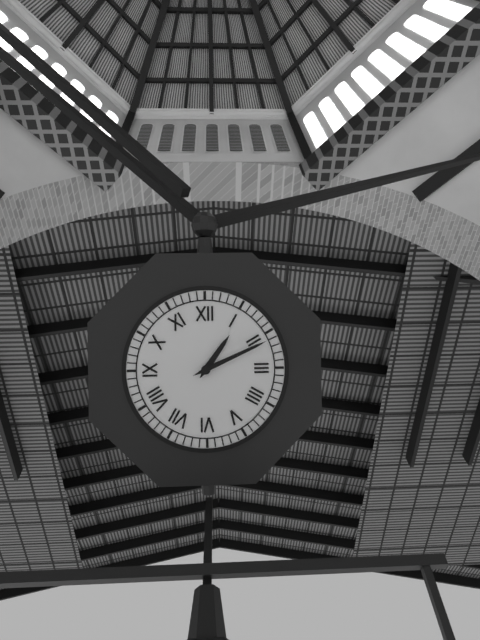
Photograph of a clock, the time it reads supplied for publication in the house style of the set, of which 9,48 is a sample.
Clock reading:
1,11
